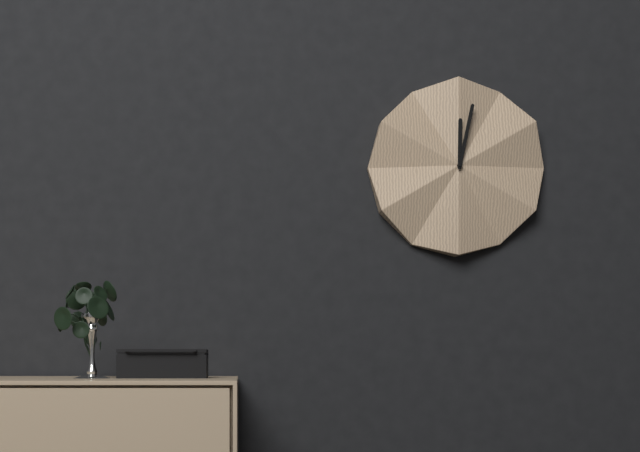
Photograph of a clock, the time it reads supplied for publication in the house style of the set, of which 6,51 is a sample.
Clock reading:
12,02
